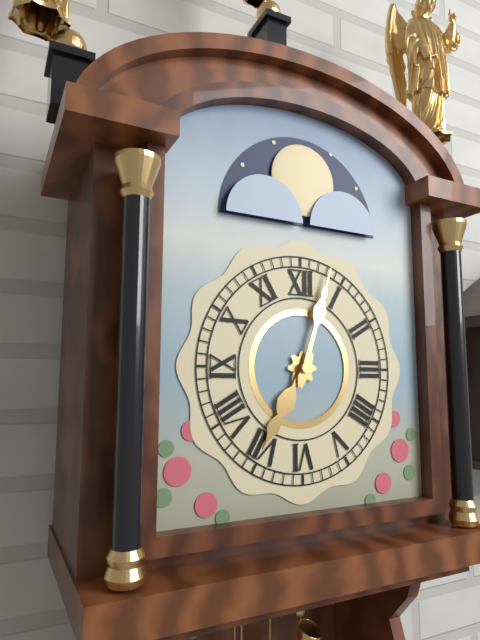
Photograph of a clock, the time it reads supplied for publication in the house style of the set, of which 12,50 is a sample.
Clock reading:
7,03
